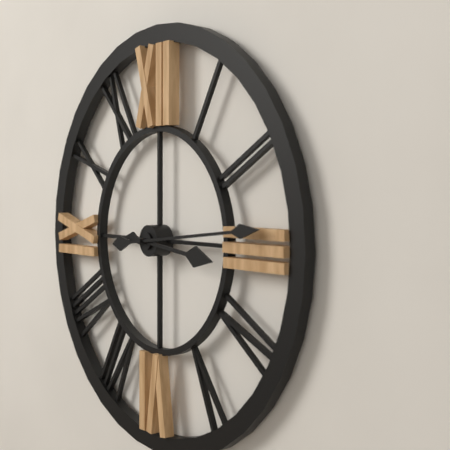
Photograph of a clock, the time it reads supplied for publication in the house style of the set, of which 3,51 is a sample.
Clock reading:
3,14
